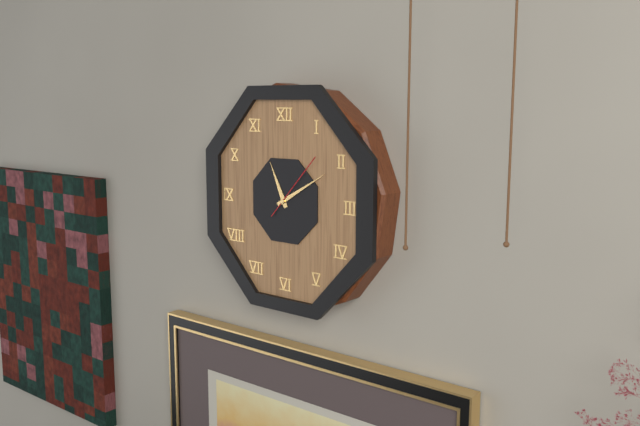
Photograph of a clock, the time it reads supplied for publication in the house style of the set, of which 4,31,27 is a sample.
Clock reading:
11,10,07
